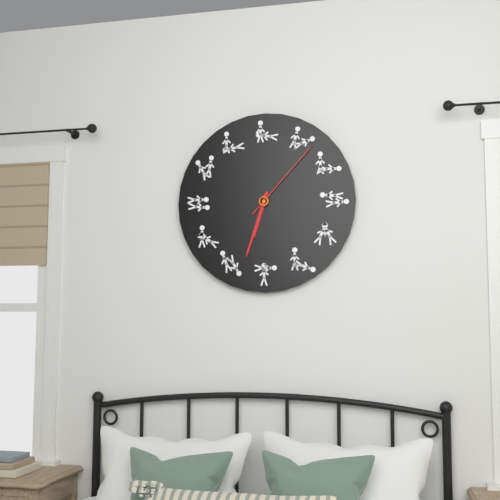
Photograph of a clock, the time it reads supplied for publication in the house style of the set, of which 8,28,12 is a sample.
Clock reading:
6,33,07
